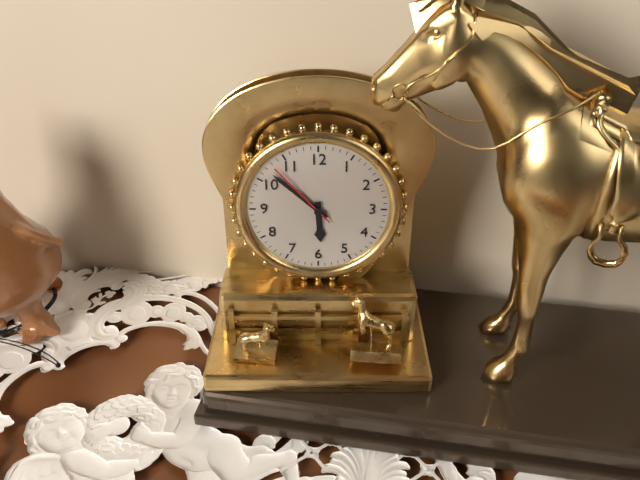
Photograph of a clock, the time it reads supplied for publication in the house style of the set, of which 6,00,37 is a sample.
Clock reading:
5,52,53
